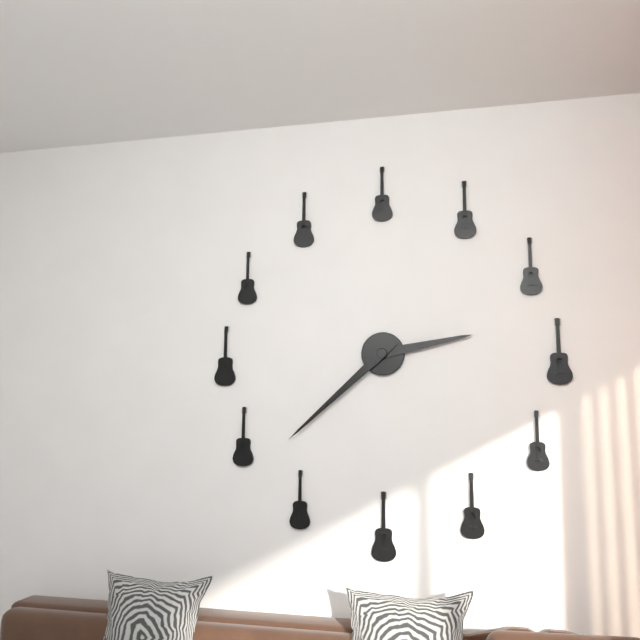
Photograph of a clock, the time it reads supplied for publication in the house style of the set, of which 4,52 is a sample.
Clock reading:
2,38
